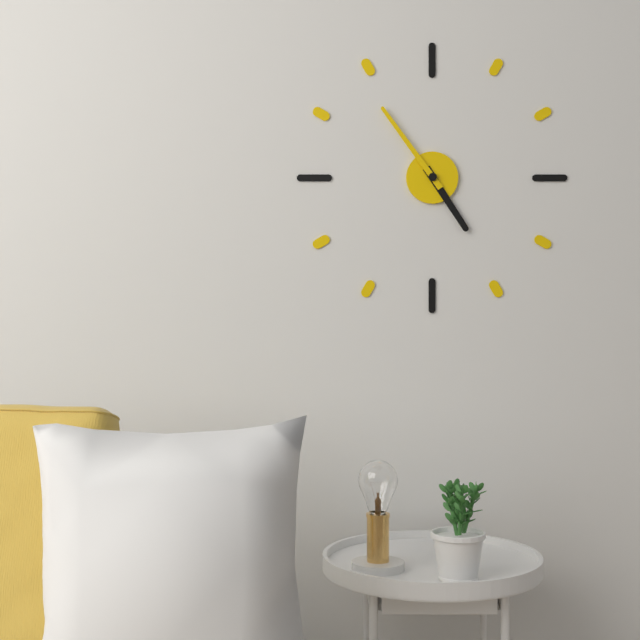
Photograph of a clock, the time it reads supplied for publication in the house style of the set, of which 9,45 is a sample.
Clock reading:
4,54
